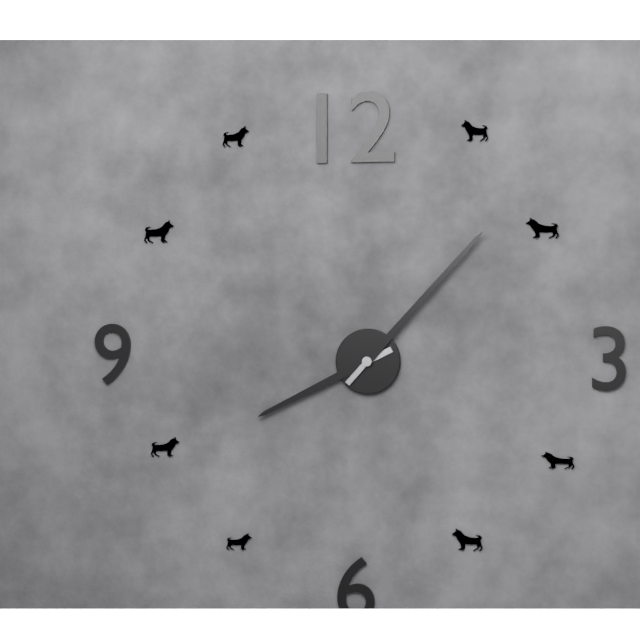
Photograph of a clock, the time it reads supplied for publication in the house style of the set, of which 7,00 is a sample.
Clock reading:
8,07
